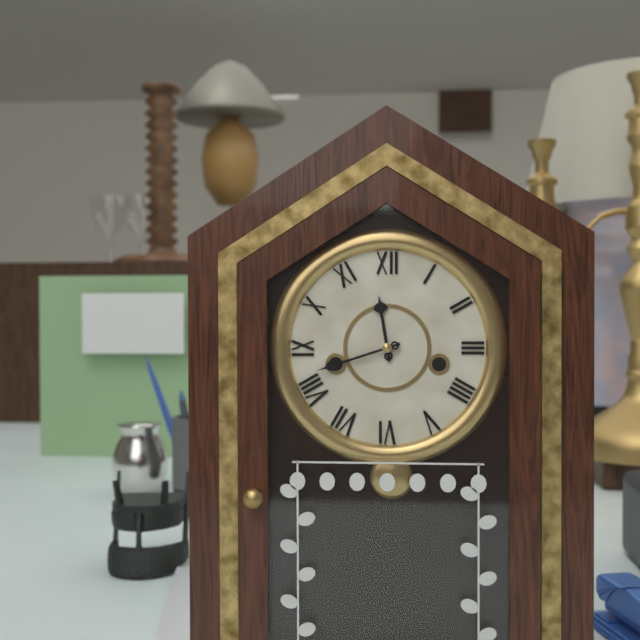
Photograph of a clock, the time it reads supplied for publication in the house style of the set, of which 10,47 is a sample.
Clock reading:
11,42
